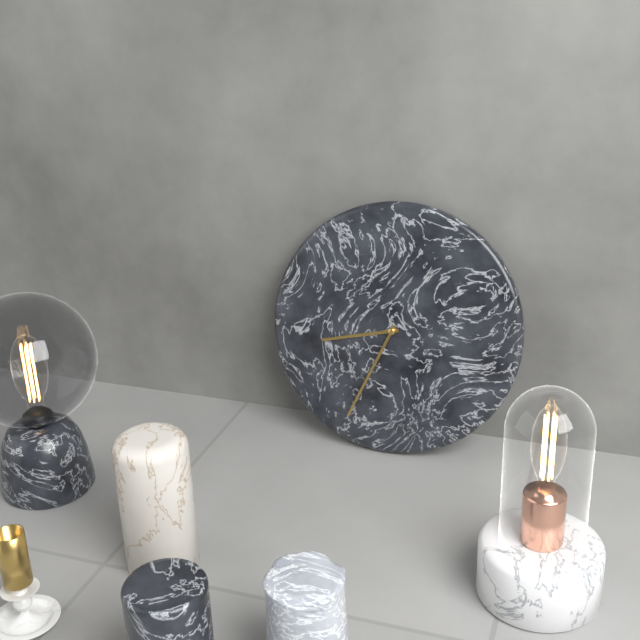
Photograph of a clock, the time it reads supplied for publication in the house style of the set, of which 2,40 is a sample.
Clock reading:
8,34
